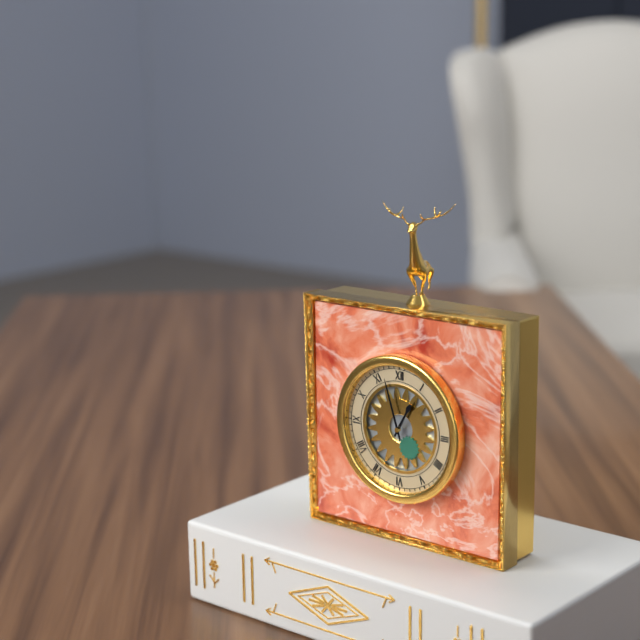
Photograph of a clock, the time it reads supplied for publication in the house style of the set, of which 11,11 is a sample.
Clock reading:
12,57
